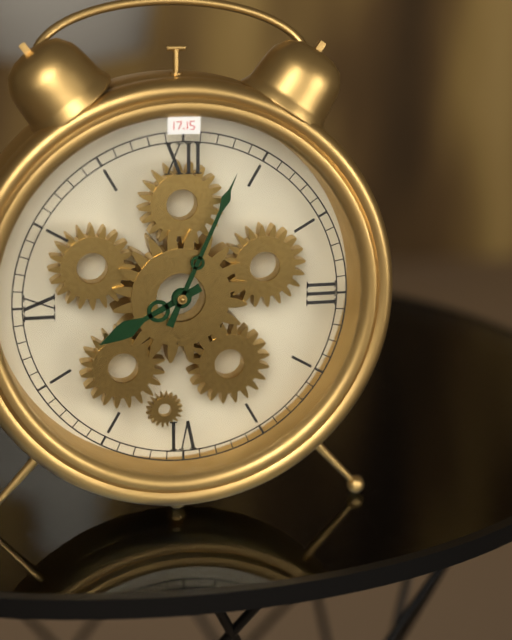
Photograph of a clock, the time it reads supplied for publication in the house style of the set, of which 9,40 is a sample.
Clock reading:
8,04
